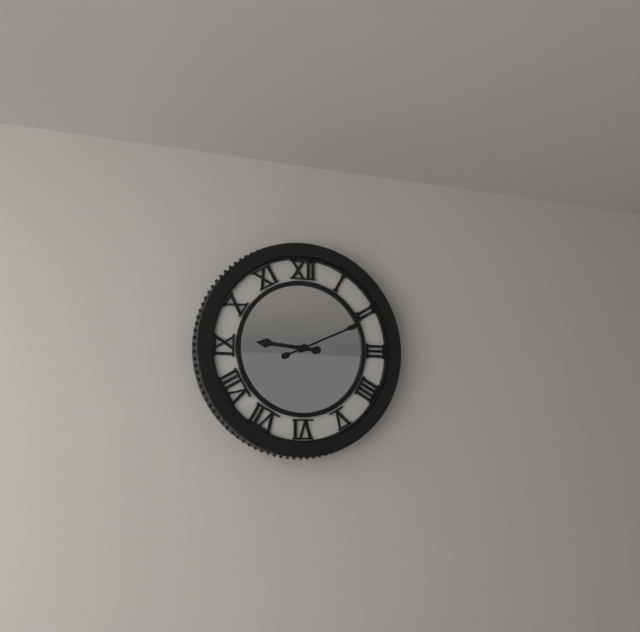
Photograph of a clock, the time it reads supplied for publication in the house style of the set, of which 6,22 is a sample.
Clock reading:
9,11
